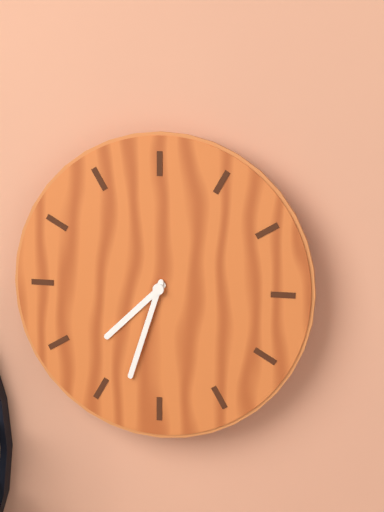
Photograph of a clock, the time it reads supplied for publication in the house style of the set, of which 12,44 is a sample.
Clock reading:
7,33
